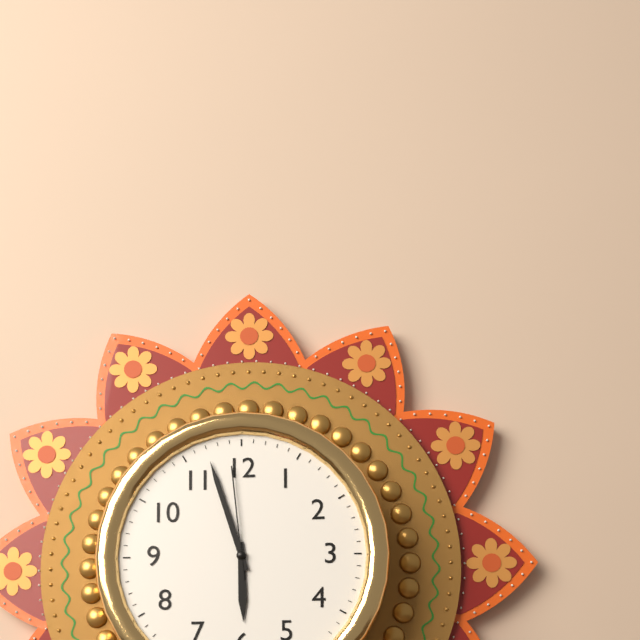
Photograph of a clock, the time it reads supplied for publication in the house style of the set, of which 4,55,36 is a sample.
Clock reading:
5,57,59
